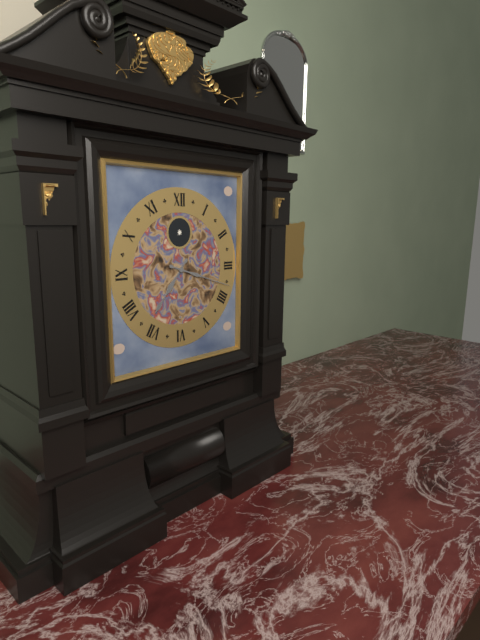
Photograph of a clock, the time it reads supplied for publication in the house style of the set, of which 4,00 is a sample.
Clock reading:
7,18
